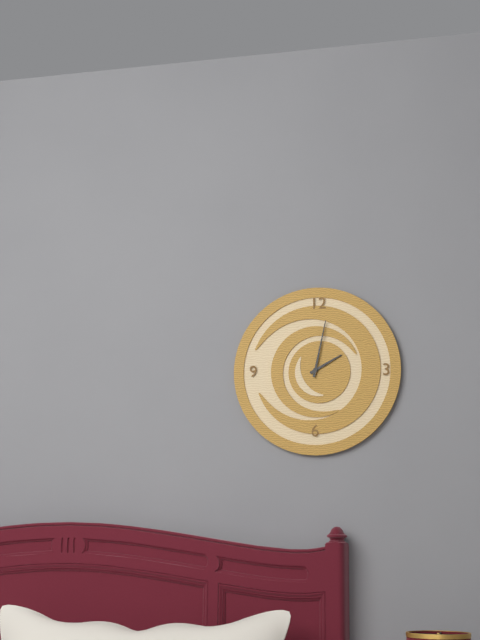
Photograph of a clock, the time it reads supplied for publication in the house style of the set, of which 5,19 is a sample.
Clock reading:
2,02
